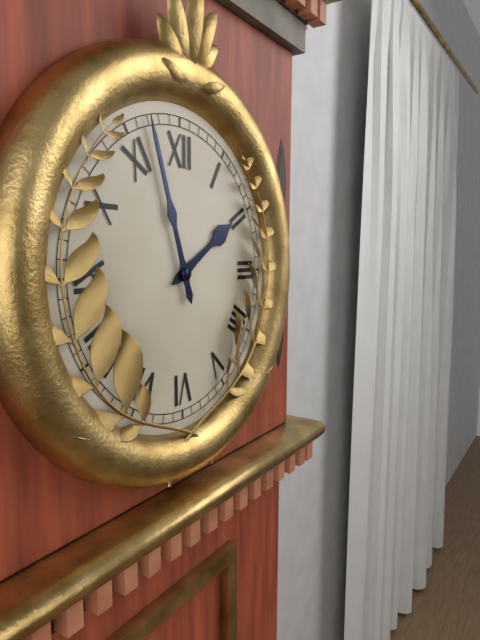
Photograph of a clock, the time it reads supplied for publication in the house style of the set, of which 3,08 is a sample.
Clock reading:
1,57
